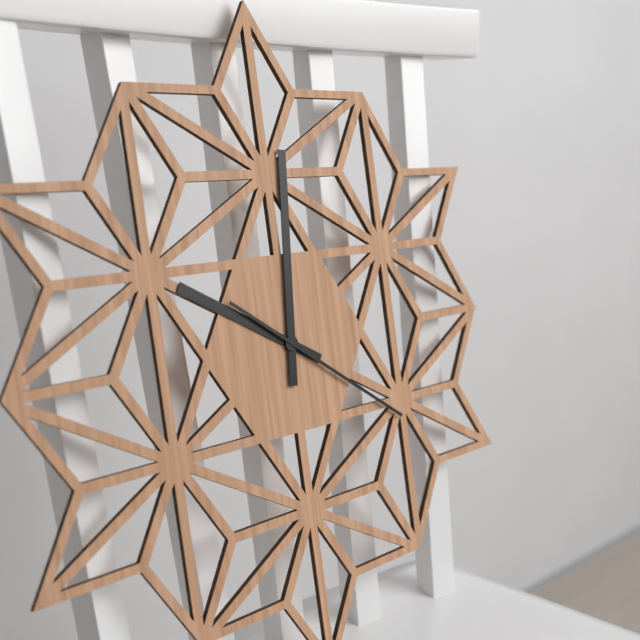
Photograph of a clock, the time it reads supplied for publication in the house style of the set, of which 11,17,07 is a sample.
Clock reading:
10,01,21
